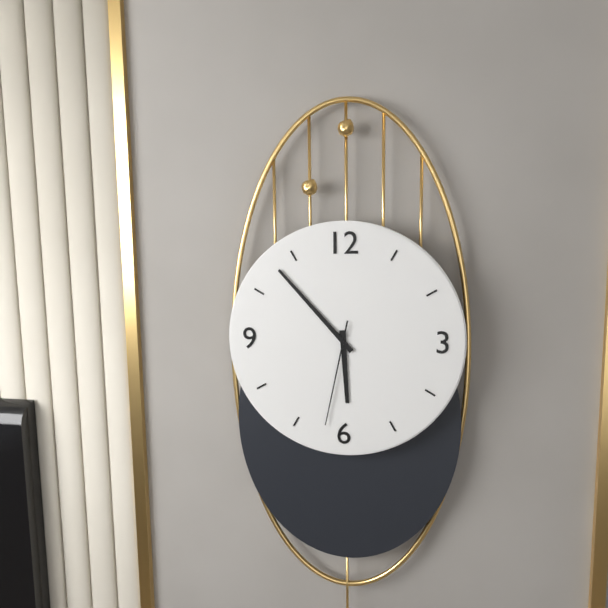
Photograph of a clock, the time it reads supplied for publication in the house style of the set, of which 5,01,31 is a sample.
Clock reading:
5,53,32
